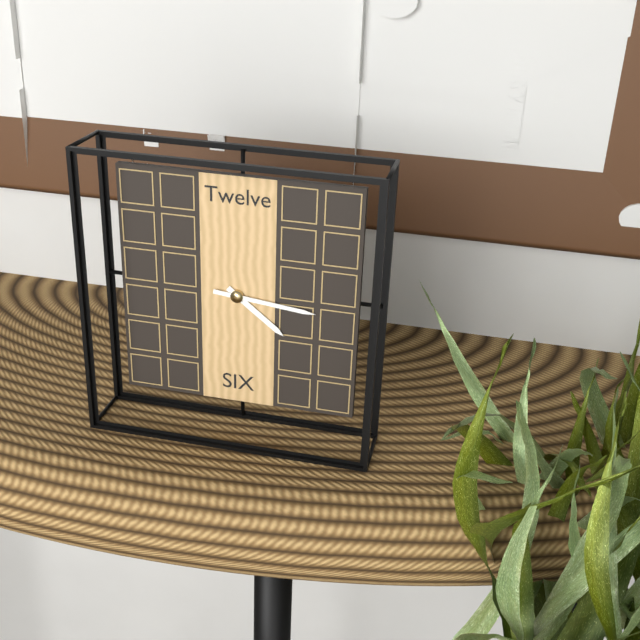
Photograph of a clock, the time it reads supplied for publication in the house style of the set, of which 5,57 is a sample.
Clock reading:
4,16
